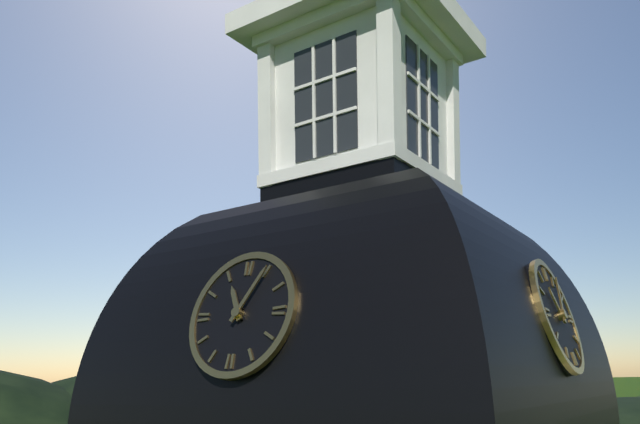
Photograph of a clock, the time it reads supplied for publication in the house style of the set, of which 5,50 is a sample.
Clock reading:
11,05
